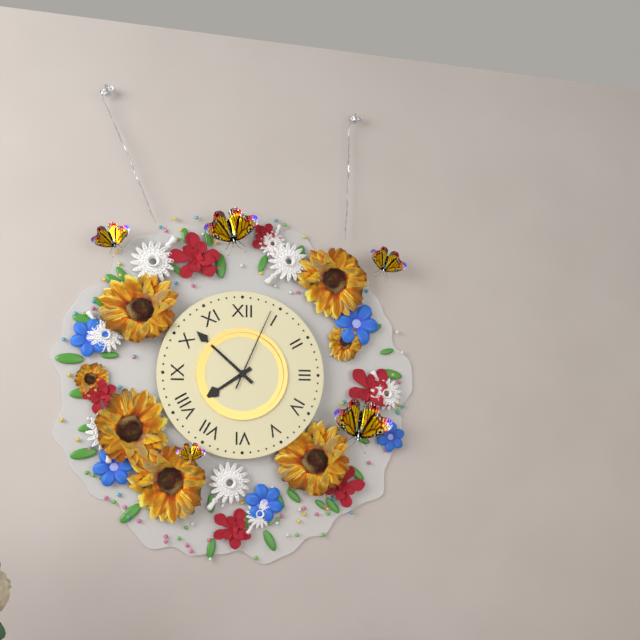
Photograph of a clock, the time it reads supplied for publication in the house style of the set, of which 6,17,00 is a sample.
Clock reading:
7,52,04
